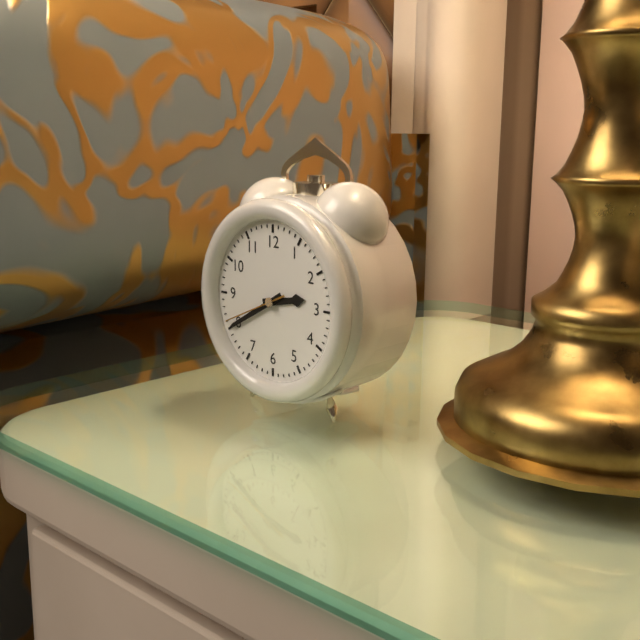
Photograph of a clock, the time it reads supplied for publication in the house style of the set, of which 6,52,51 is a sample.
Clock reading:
2,40,41
